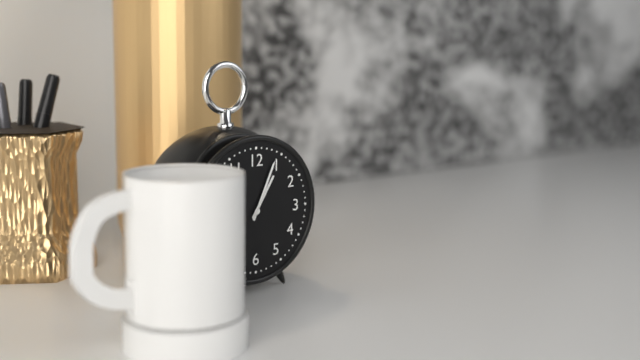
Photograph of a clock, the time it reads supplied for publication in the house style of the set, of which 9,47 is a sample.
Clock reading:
1,04
